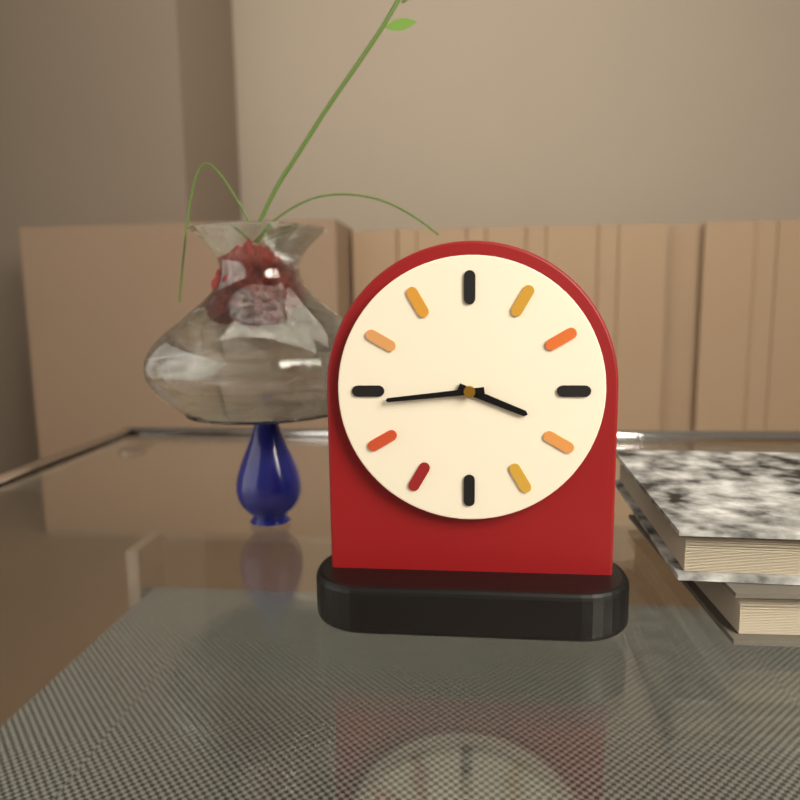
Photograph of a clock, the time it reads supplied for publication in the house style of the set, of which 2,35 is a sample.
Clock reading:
3,44
